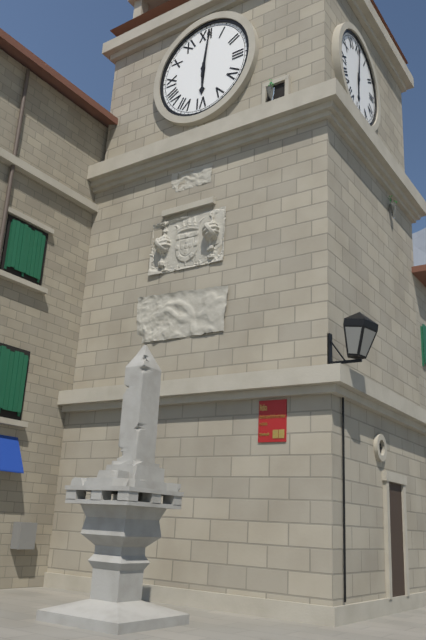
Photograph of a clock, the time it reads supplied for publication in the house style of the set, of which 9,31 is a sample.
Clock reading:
6,01
